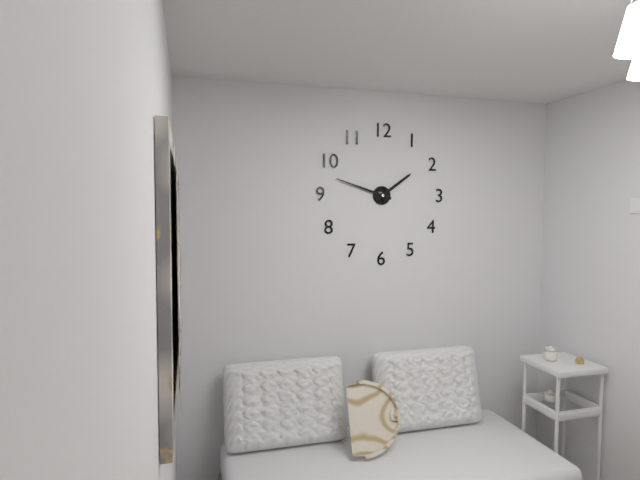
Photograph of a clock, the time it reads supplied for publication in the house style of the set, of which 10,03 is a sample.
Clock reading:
1,48
